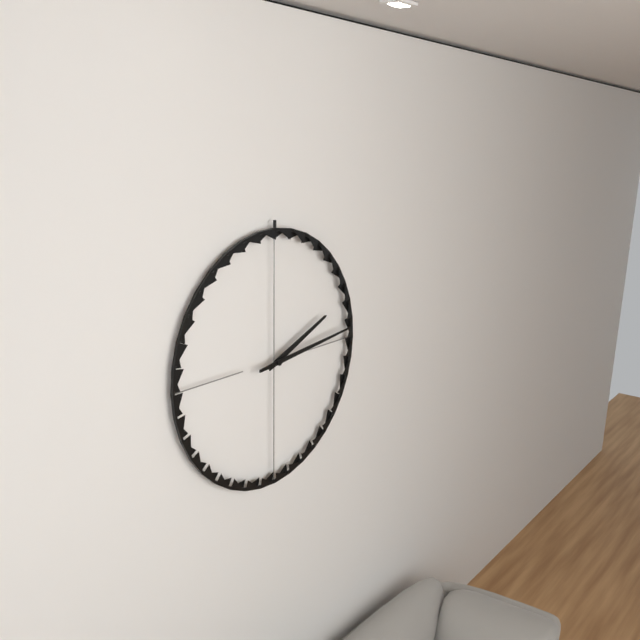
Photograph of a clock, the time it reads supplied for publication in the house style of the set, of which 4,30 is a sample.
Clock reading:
2,14
